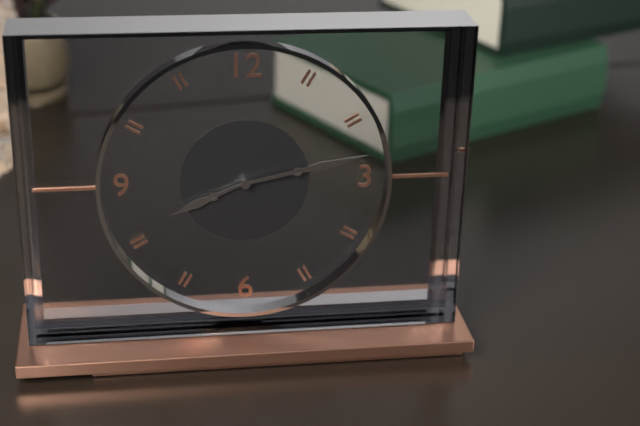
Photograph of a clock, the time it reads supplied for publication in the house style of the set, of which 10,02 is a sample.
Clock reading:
8,13
